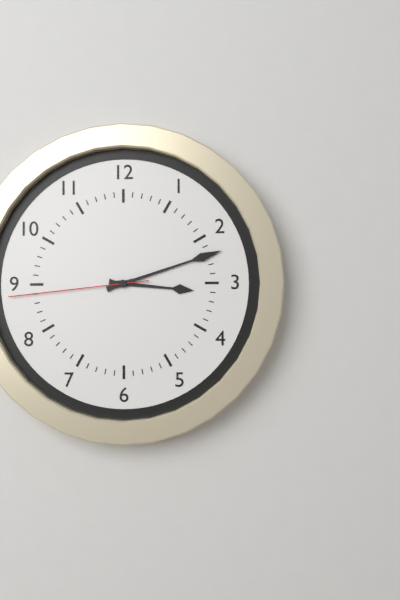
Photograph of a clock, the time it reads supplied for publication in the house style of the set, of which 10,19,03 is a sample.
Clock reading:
3,12,44
